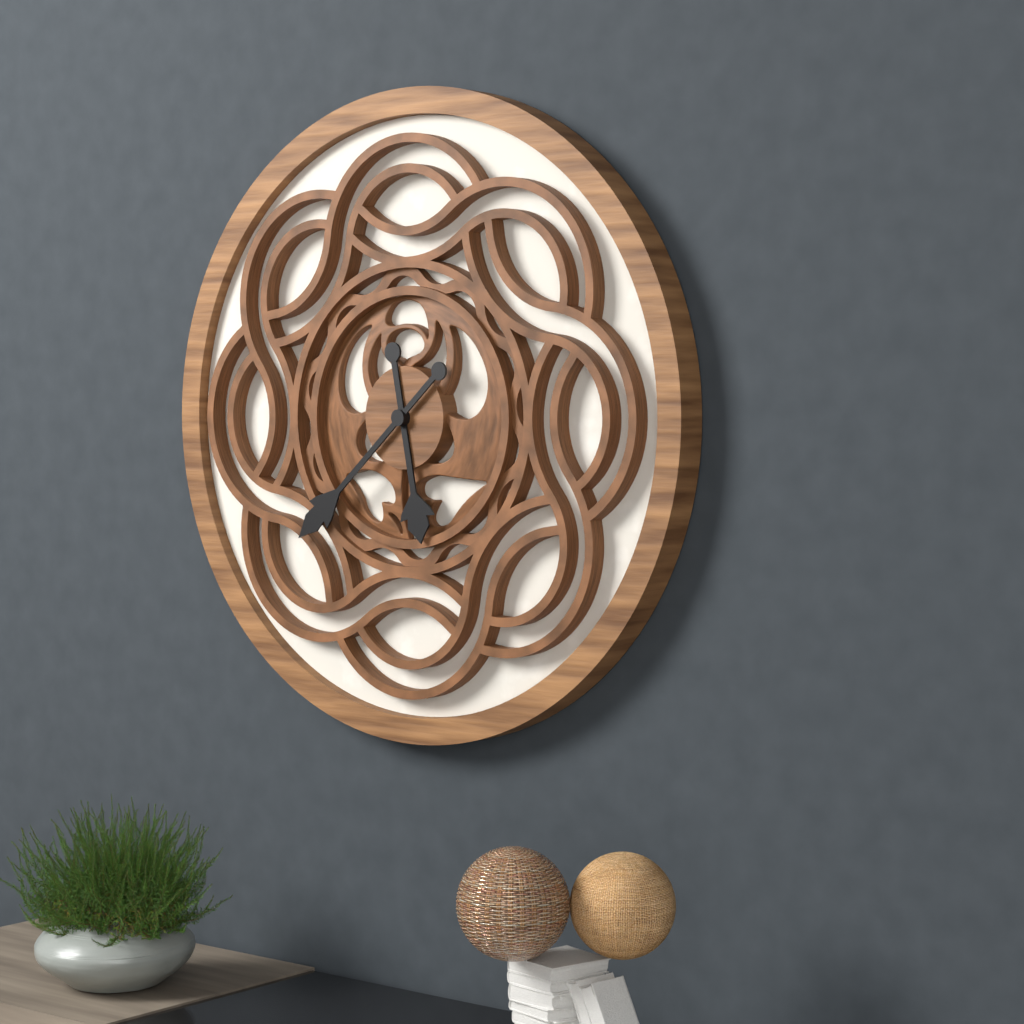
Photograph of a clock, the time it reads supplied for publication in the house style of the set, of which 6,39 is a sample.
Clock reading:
5,38
